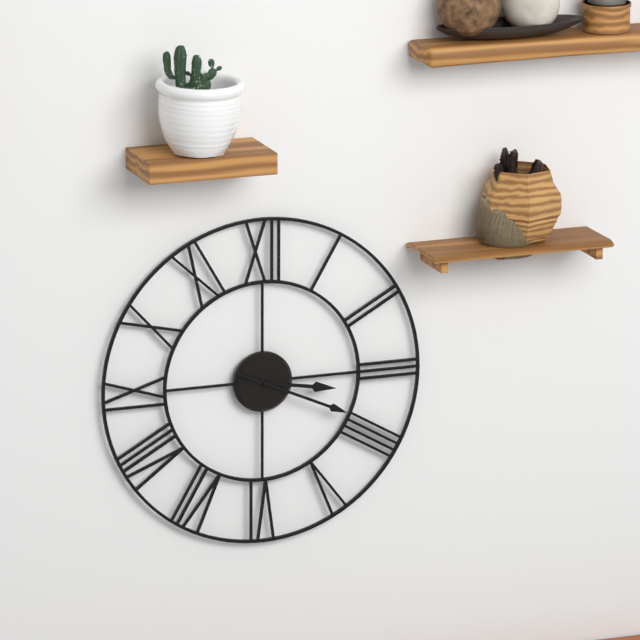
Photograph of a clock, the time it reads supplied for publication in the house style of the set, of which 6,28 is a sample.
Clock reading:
3,19
